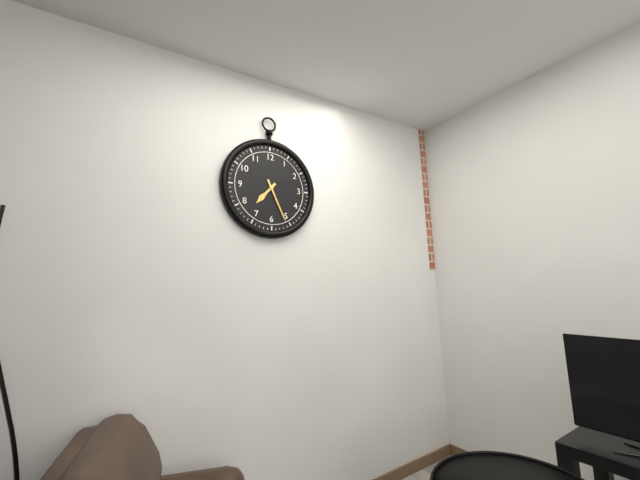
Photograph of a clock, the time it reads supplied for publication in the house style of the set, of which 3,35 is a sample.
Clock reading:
7,26
